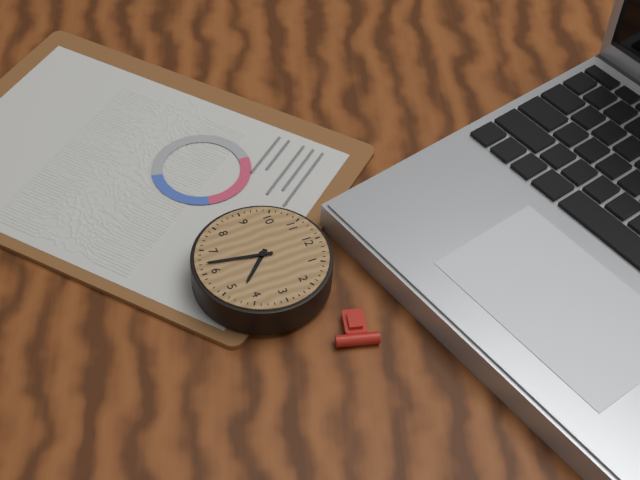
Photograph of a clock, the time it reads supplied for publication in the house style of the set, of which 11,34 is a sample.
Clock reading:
4,32
